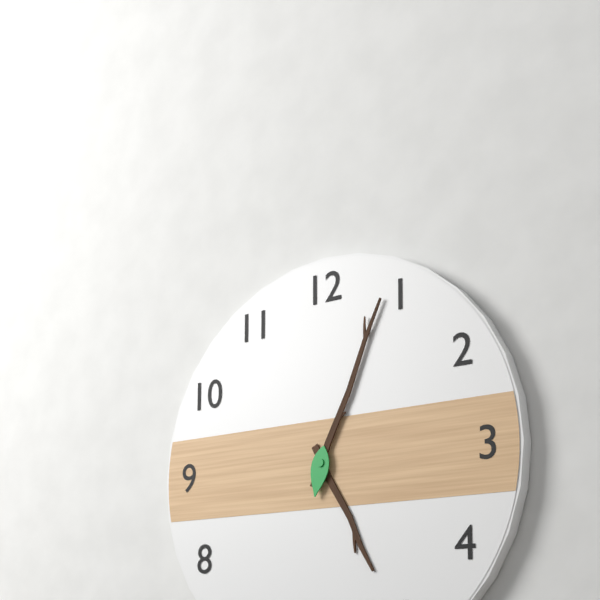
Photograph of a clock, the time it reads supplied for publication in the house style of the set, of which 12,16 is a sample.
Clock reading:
5,04
